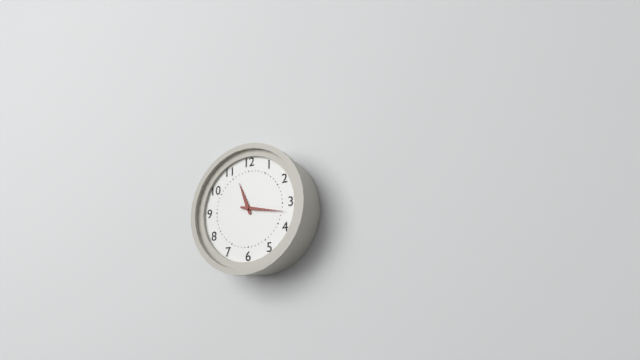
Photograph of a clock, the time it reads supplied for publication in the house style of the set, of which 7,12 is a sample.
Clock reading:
11,17
